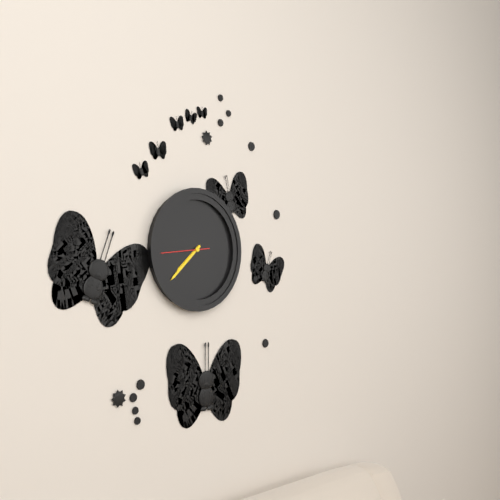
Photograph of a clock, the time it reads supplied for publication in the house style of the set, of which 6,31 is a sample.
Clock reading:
7,38
